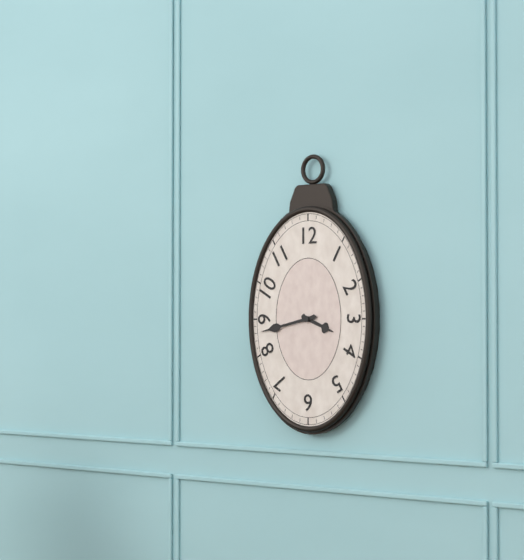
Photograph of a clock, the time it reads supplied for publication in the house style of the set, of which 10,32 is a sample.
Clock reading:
3,43
